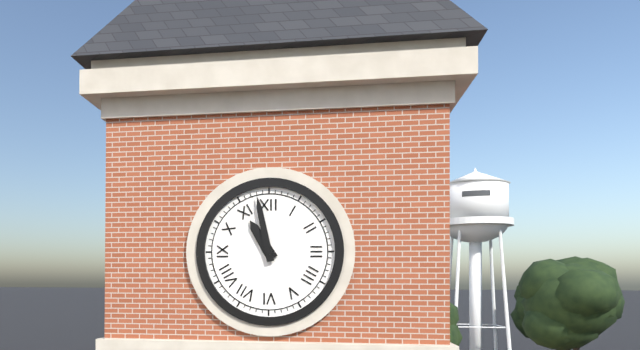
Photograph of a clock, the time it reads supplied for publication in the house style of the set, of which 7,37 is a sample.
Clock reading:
10,58
